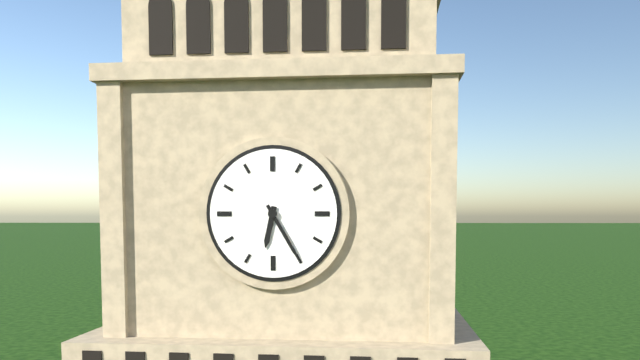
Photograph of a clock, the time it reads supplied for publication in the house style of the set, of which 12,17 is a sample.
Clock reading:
6,25
